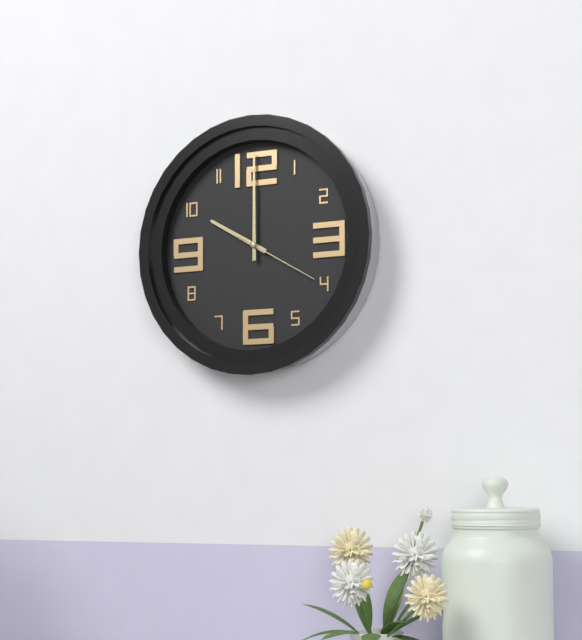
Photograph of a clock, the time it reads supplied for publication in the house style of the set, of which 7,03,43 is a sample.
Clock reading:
10,00,20
